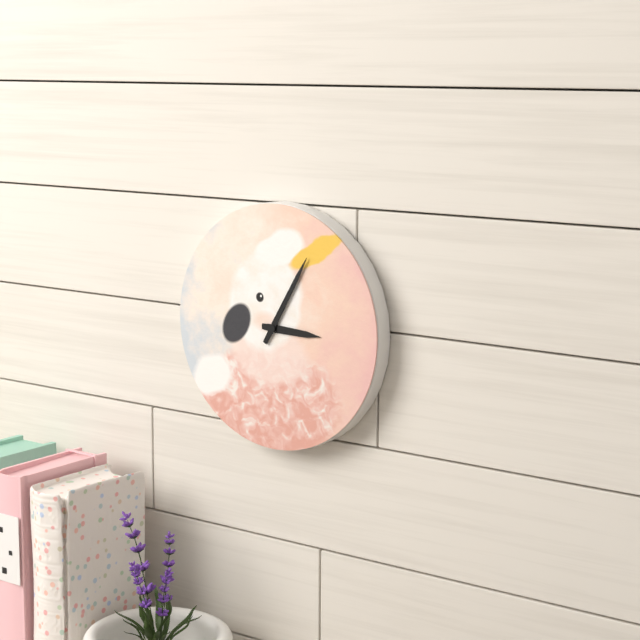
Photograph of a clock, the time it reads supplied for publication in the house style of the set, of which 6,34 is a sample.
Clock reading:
3,05
